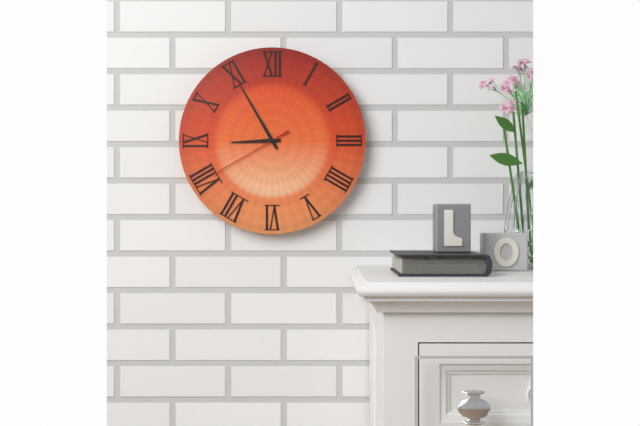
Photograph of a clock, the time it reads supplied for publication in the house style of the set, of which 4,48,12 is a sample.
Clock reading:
8,55,40
